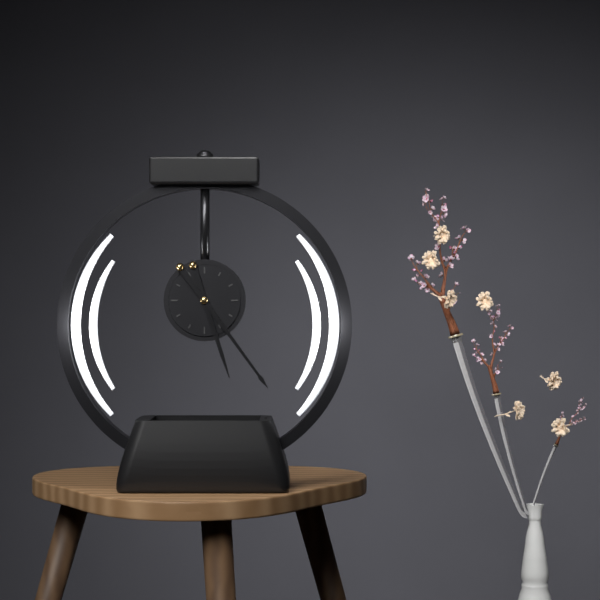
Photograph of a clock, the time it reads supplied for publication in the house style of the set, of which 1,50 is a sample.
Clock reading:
5,24
